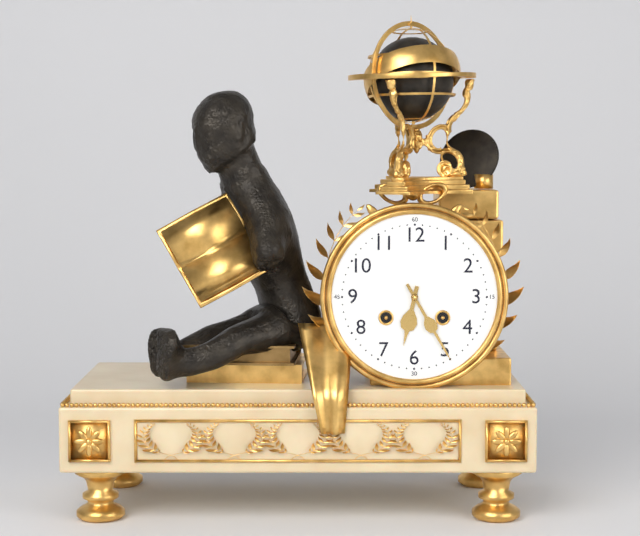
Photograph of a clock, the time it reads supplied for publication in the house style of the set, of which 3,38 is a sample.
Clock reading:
6,25
